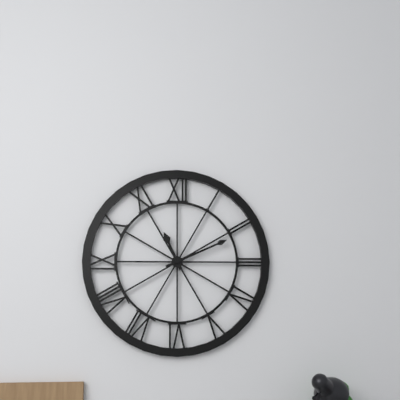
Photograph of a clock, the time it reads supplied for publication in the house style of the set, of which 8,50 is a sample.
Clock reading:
11,11
